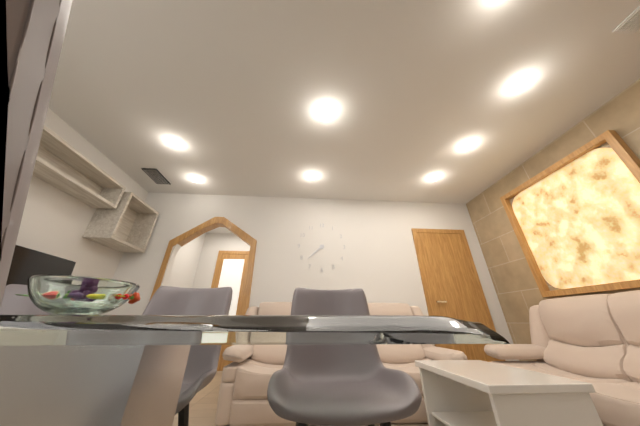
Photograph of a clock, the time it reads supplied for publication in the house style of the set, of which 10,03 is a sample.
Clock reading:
7,38
